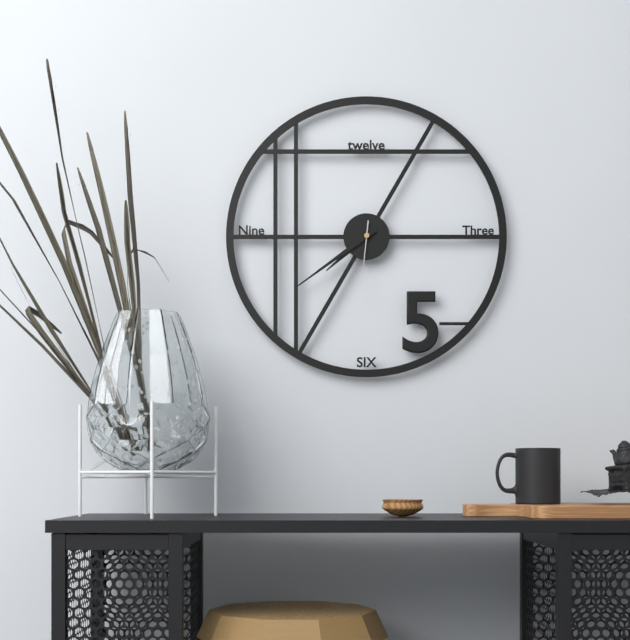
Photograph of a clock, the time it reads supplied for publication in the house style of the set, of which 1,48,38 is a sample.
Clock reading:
7,39,31
